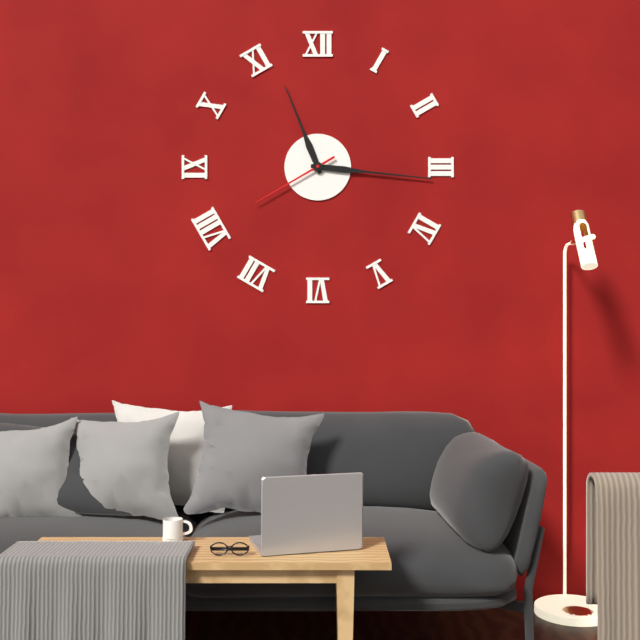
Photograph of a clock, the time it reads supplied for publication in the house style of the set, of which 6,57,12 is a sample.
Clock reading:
11,16,40
